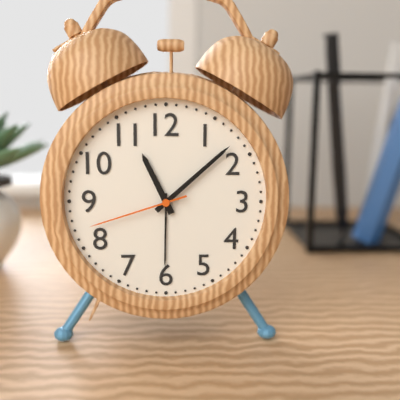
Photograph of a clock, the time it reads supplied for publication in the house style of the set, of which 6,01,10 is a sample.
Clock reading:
11,08,42
